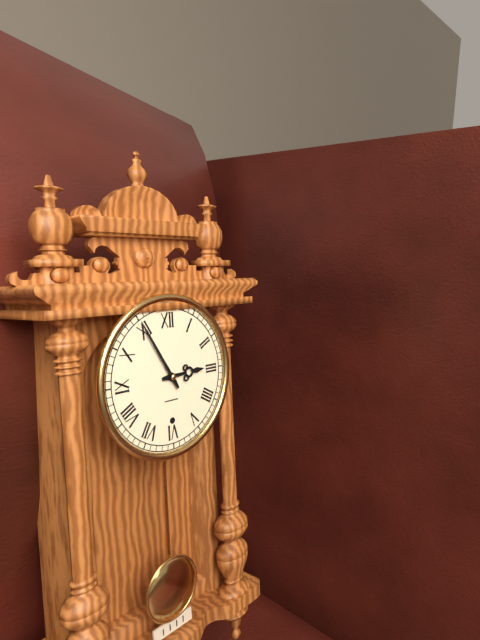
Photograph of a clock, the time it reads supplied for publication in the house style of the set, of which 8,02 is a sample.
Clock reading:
2,55
